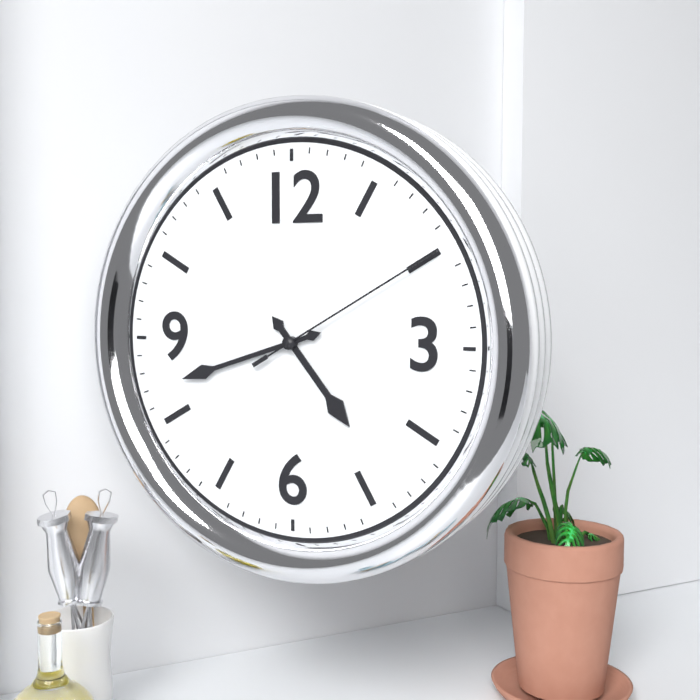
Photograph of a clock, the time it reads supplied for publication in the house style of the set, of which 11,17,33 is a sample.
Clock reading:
4,42,10
